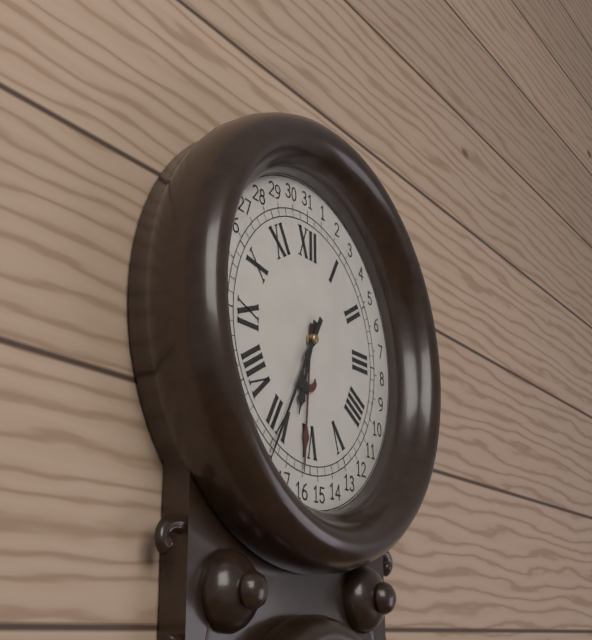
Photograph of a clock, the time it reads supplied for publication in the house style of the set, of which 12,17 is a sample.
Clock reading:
6,35
